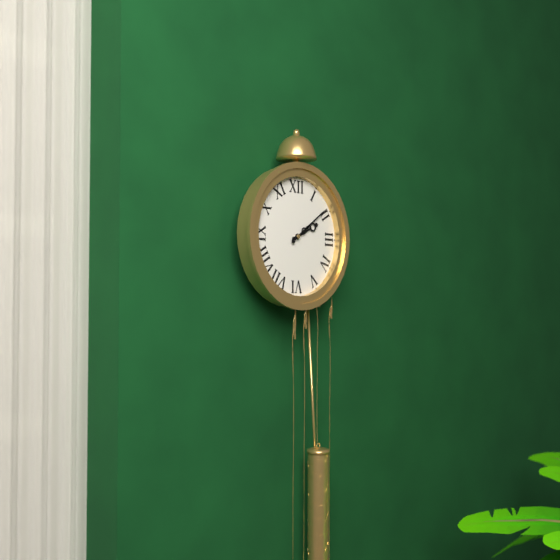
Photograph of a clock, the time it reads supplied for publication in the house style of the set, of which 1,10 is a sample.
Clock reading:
2,09
